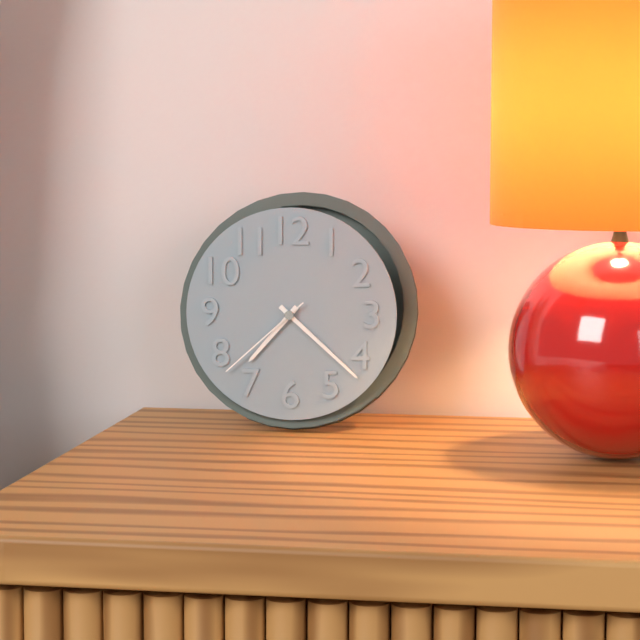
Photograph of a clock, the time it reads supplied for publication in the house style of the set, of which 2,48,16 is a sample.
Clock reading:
7,22,38
